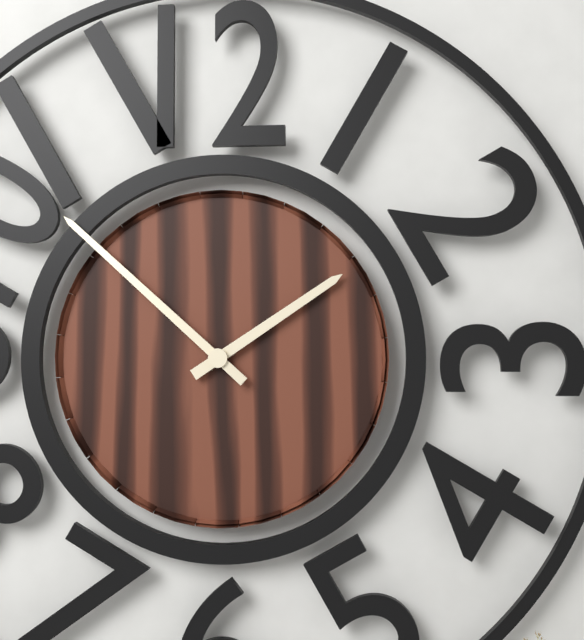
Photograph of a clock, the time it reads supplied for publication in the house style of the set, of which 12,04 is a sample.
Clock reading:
1,52
